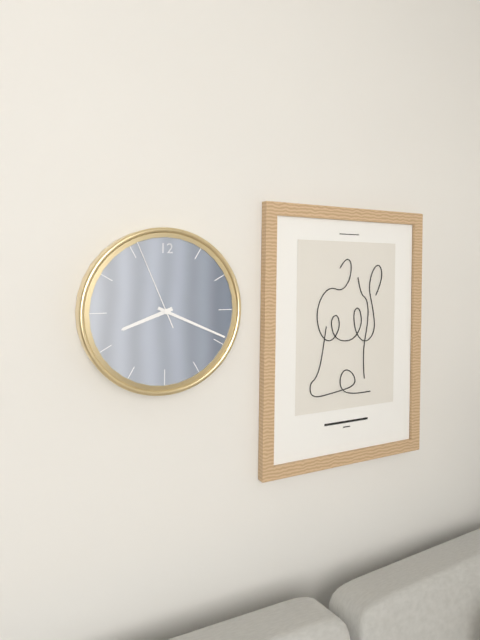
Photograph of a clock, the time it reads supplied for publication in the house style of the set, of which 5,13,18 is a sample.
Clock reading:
8,19,56
